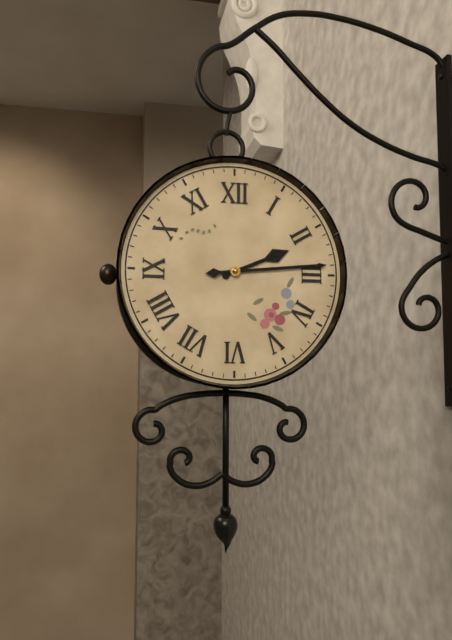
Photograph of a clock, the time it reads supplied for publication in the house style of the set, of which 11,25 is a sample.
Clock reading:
2,14
